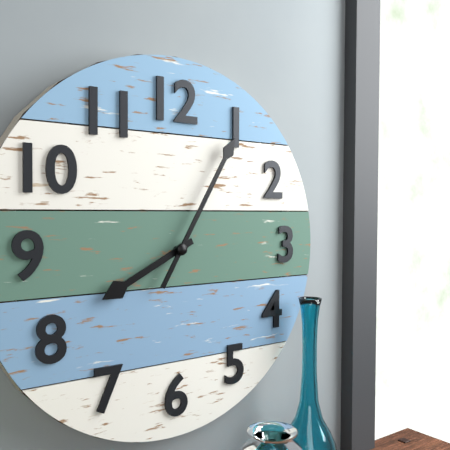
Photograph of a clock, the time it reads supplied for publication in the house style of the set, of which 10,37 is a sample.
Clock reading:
8,05
